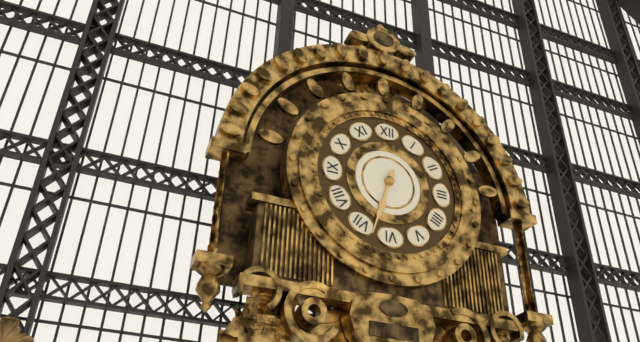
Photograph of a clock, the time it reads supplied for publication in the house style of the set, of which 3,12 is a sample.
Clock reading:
6,33
